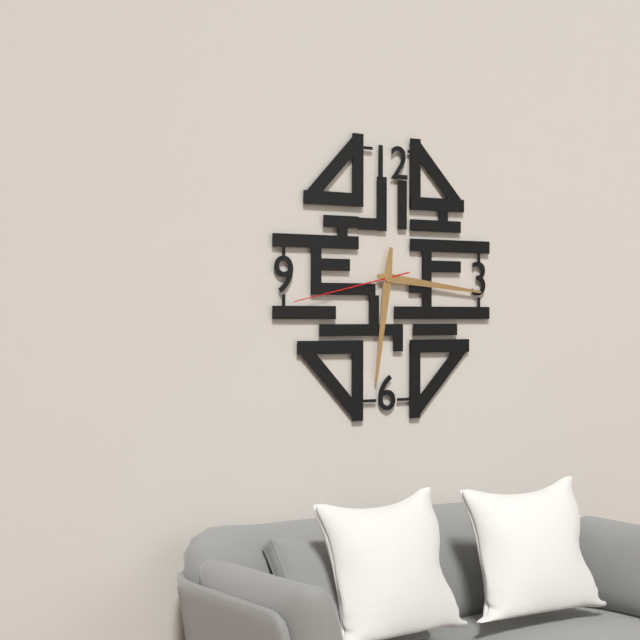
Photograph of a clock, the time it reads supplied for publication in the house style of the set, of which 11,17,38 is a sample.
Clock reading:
6,16,43
